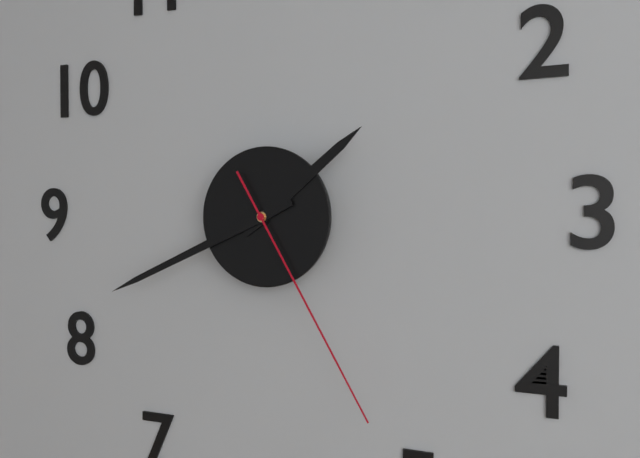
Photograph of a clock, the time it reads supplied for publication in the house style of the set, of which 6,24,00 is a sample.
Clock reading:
1,41,25
